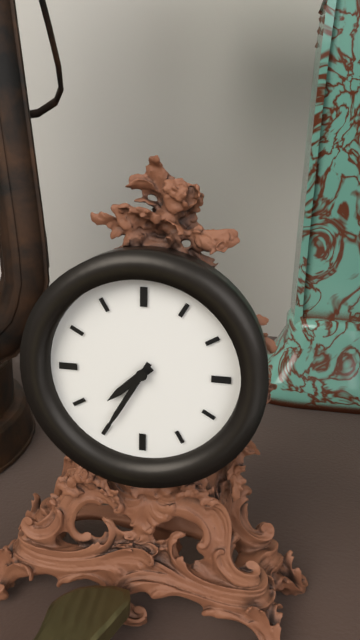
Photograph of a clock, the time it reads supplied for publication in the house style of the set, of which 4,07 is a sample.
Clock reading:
7,35
